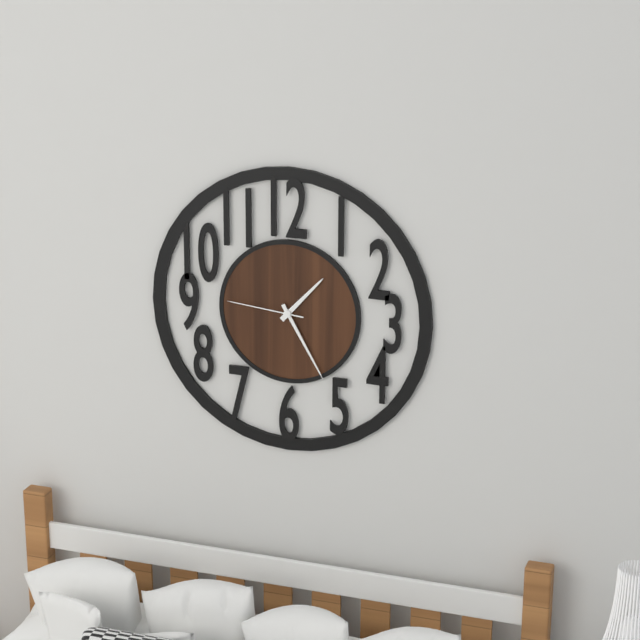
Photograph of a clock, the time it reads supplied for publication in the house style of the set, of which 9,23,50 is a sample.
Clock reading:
1,25,46
